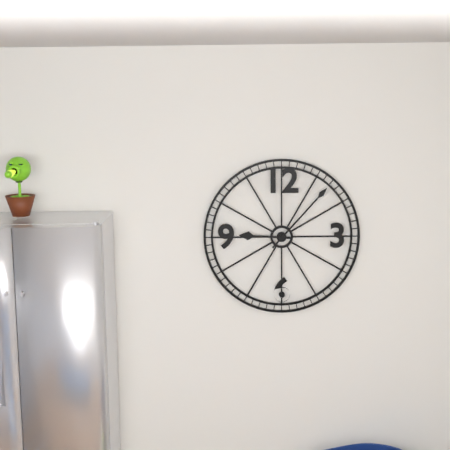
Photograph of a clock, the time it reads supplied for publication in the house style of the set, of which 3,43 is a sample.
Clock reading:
9,07
